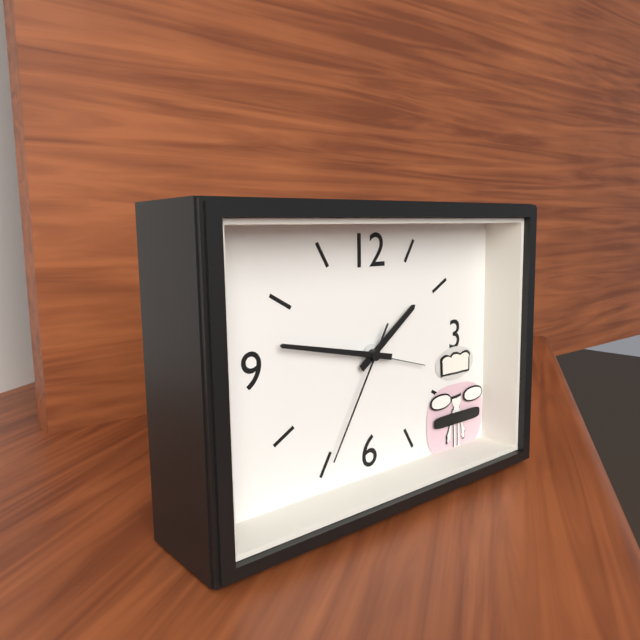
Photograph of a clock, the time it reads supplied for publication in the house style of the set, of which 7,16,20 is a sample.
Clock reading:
1,47,35
